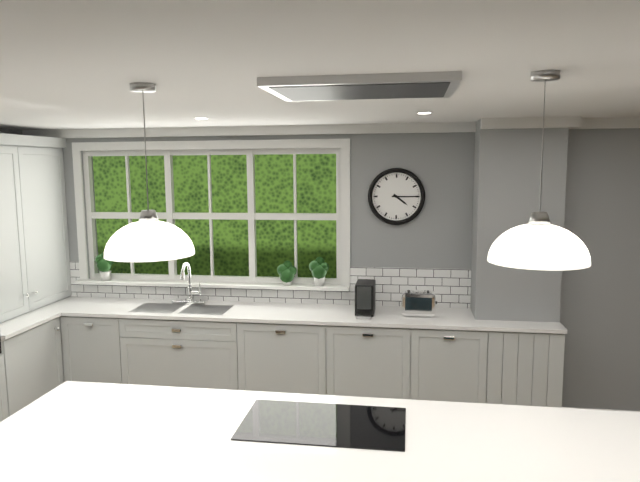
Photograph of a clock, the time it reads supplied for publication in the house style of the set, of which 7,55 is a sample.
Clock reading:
4,15
